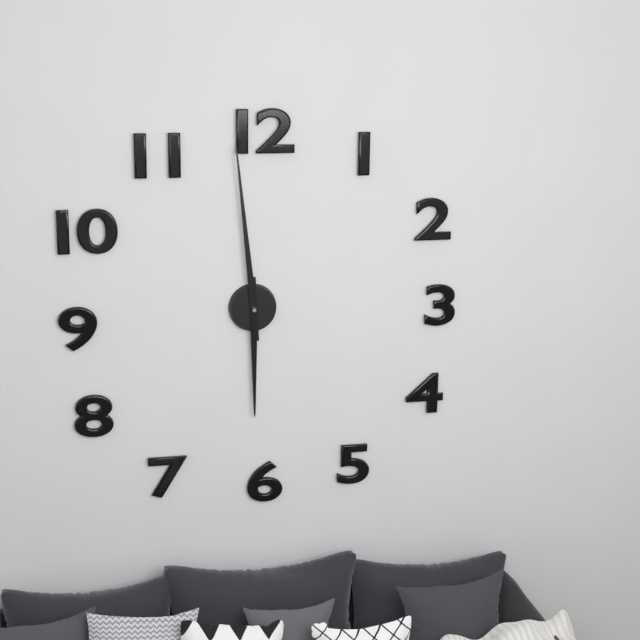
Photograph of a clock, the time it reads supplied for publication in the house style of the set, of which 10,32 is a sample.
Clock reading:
5,59
